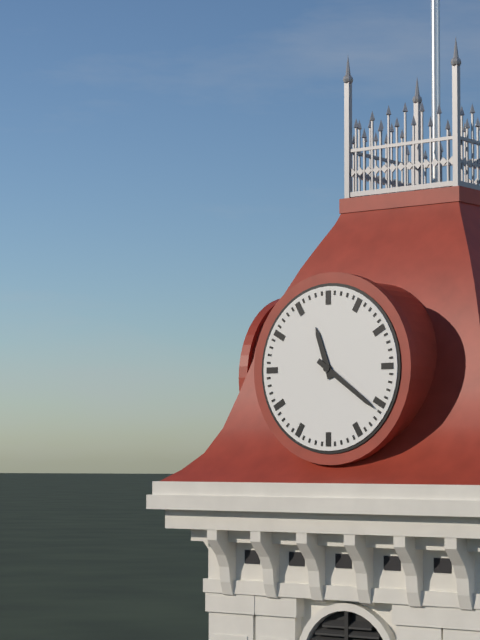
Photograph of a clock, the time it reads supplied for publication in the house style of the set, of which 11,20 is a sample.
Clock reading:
11,21
